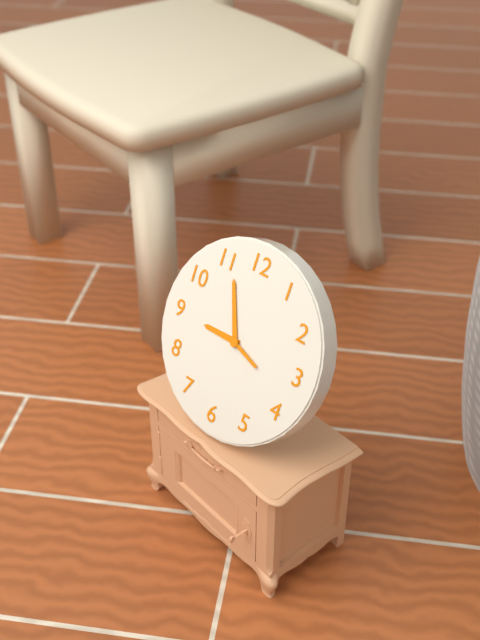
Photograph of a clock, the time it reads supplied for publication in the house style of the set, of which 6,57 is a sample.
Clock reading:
8,56
